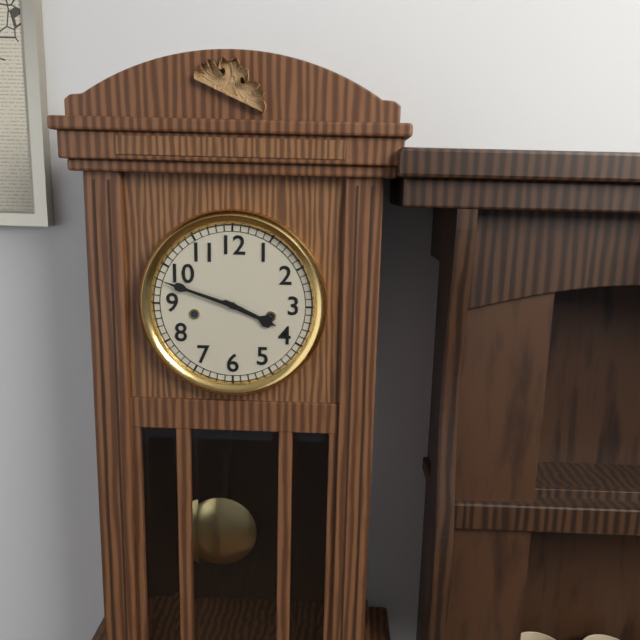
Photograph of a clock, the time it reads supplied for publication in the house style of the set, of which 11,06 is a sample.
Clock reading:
3,48
